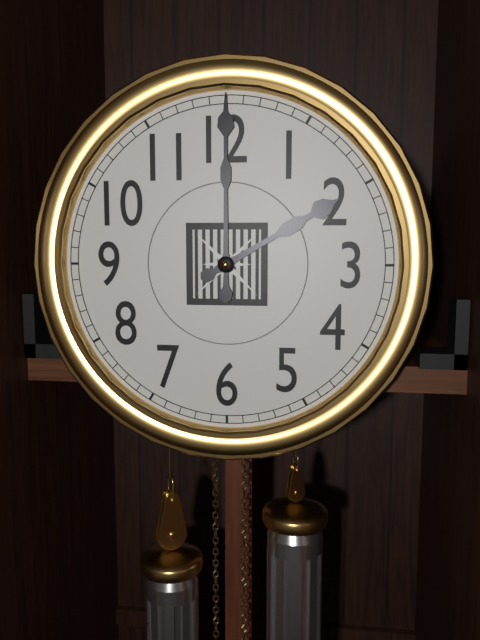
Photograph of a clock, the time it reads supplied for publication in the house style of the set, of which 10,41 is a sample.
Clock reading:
2,00
